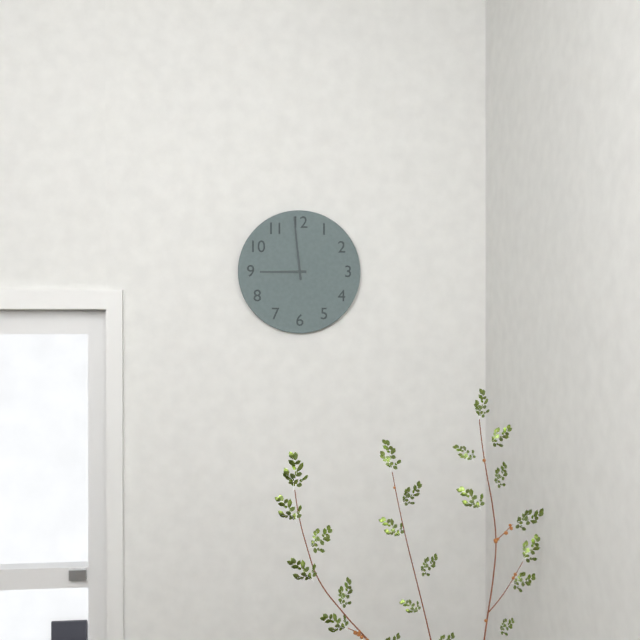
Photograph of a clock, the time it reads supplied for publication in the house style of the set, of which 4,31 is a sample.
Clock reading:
8,59
